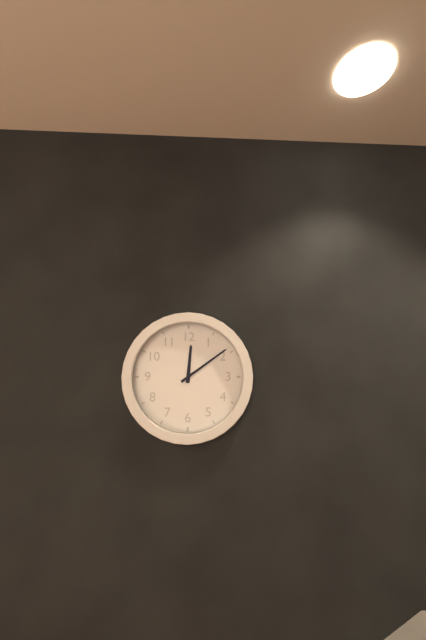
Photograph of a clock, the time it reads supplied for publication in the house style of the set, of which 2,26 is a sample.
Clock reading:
12,09
